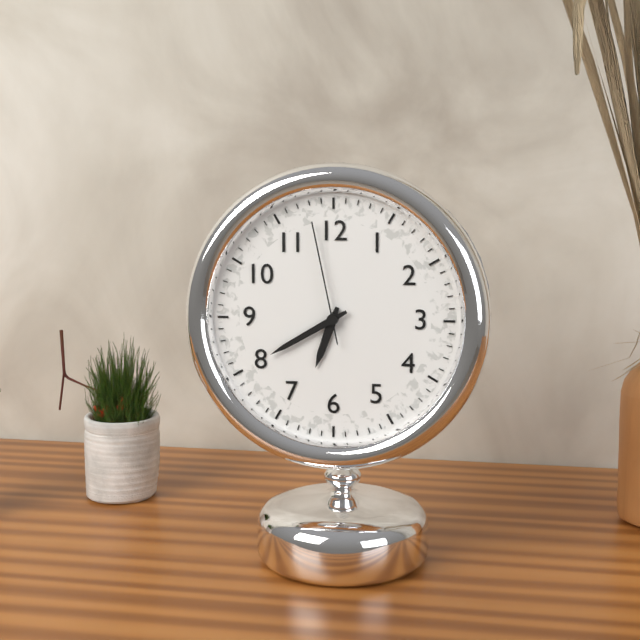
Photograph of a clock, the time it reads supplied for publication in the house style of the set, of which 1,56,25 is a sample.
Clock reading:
6,40,58
